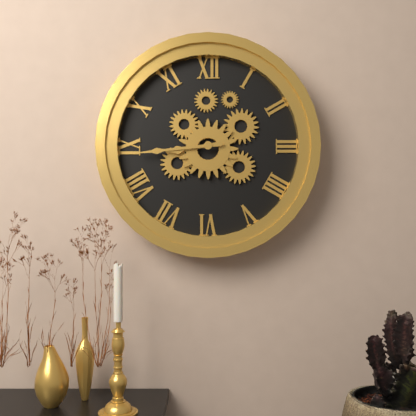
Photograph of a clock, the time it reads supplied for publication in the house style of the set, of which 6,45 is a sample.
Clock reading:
8,44
